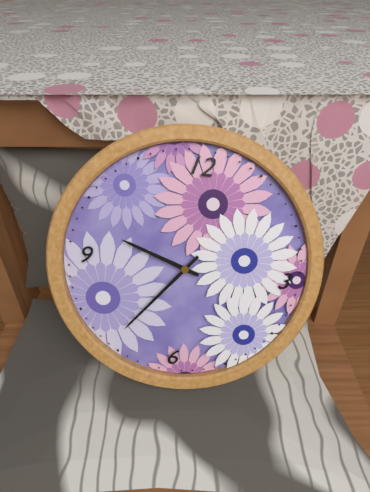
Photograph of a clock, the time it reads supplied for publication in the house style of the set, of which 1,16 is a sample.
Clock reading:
9,36
